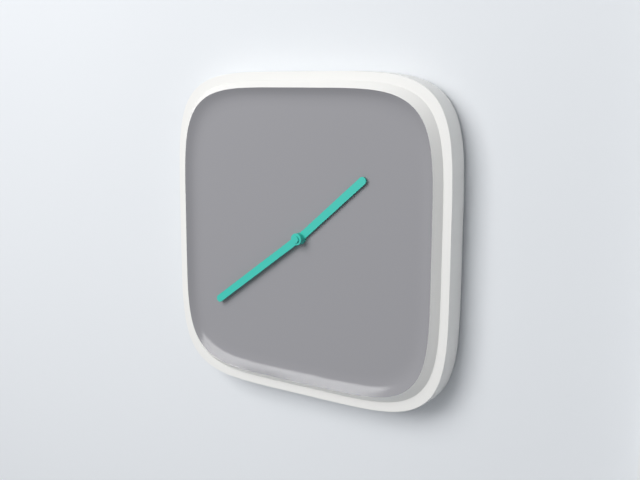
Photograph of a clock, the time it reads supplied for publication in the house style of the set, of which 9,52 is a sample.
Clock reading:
1,39
